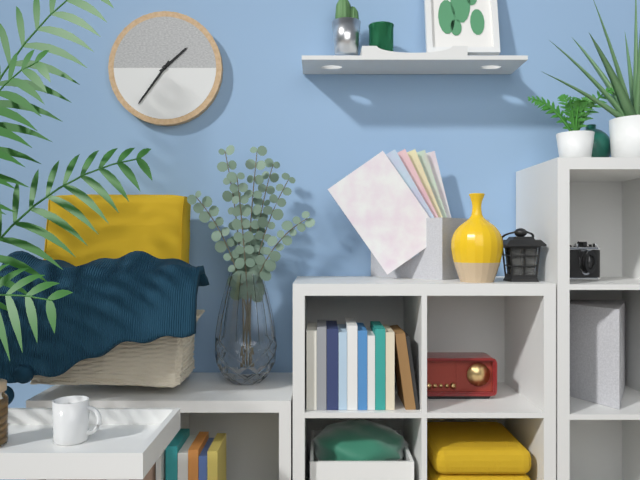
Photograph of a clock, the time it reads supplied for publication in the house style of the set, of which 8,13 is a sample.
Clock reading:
1,36
